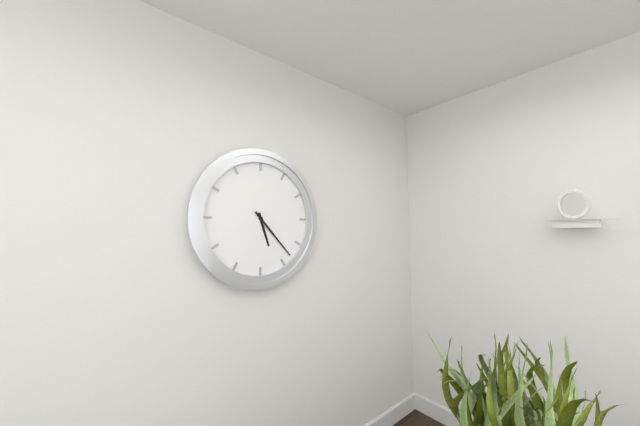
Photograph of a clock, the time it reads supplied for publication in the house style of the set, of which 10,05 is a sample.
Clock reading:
5,23
